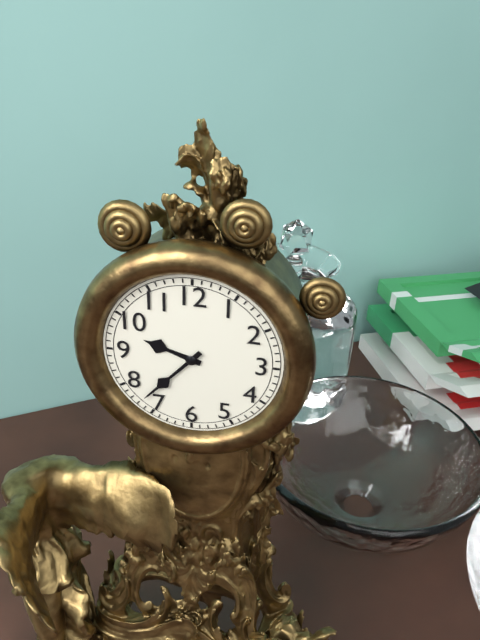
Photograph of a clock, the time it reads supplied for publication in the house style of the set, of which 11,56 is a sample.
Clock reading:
9,37
